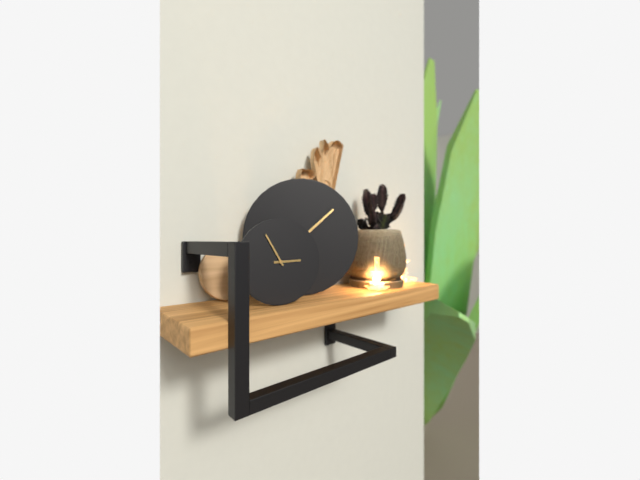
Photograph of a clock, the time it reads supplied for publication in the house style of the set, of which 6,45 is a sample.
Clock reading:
2,55
